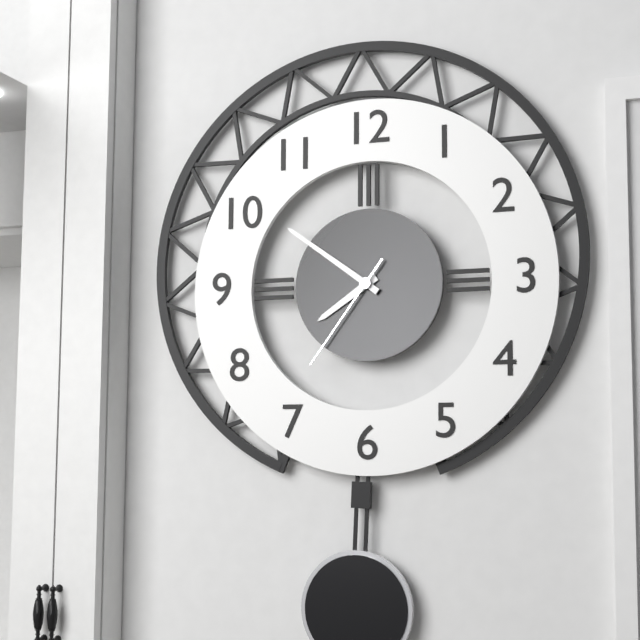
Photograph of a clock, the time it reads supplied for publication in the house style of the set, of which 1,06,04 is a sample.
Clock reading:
7,51,36
